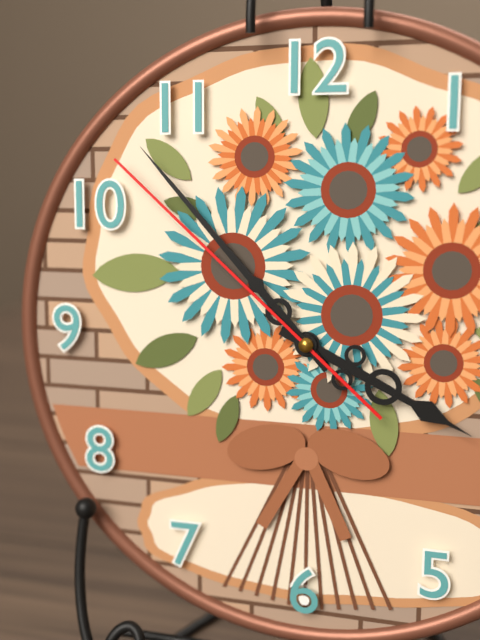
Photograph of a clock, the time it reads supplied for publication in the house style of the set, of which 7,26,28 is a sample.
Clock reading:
3,53,52
